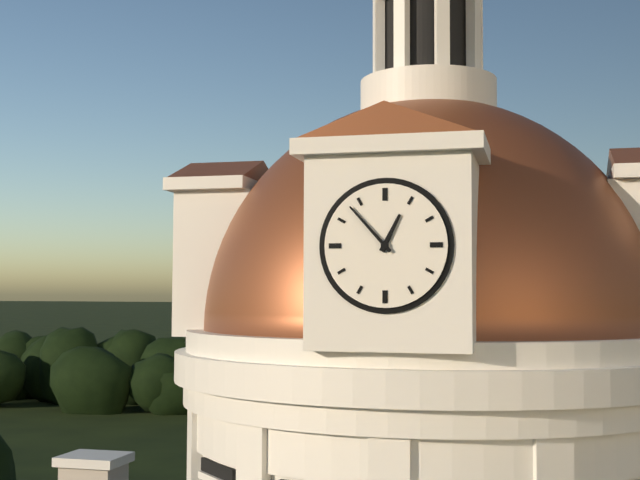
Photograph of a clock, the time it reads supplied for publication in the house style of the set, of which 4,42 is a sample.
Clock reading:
12,53
